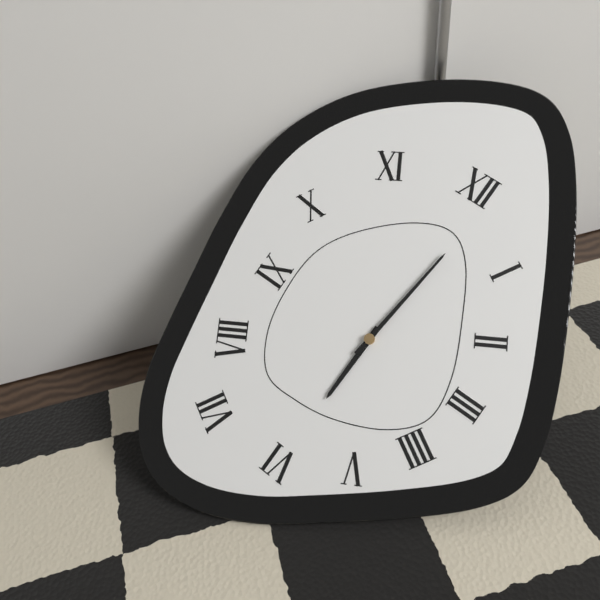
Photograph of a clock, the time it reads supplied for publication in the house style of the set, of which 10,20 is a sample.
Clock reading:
6,01
